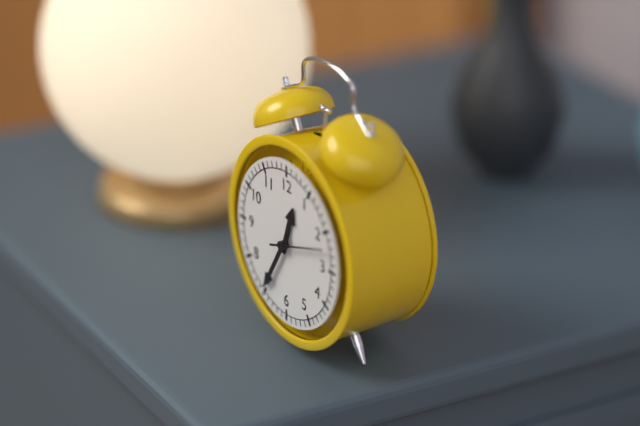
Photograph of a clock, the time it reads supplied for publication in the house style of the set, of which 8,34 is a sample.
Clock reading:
12,35
